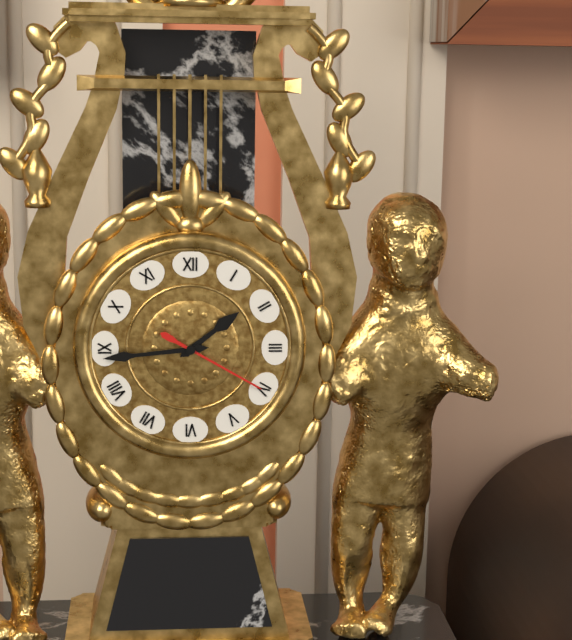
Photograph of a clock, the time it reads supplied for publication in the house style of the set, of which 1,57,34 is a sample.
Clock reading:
1,44,20
